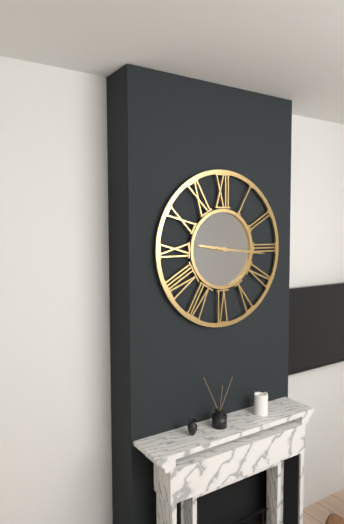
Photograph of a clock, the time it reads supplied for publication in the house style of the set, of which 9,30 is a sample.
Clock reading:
9,16
